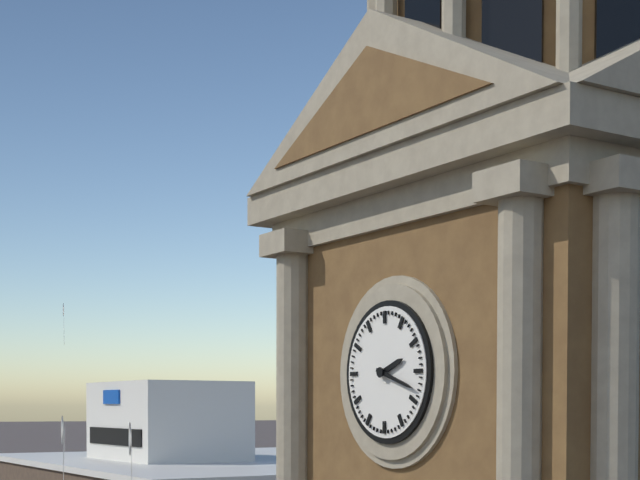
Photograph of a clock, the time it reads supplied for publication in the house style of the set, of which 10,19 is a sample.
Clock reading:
2,18
